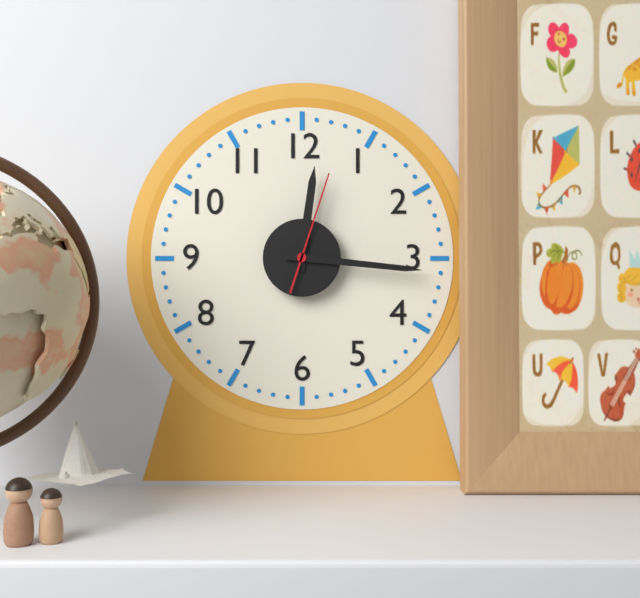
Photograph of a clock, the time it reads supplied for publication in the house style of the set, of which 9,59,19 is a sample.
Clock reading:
12,16,03
